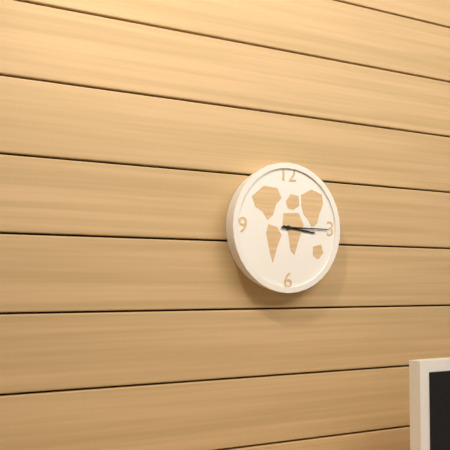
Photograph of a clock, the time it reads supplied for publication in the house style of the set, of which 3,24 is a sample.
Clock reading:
3,15
